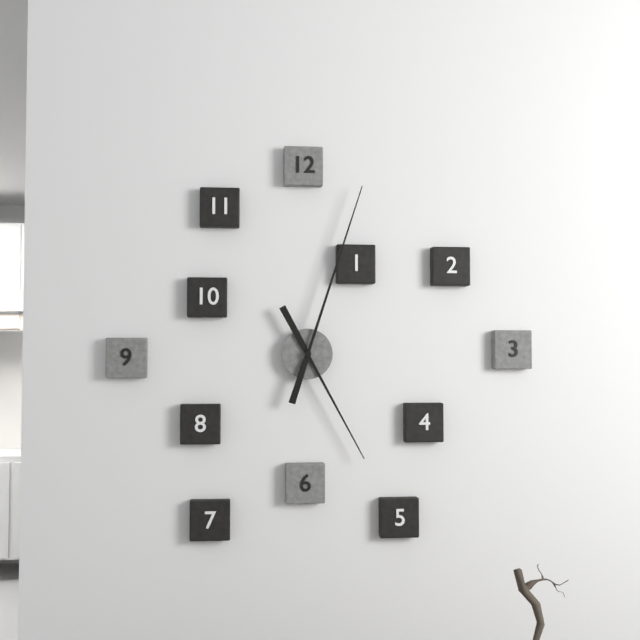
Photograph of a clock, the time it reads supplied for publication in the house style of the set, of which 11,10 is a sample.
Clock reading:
5,03
